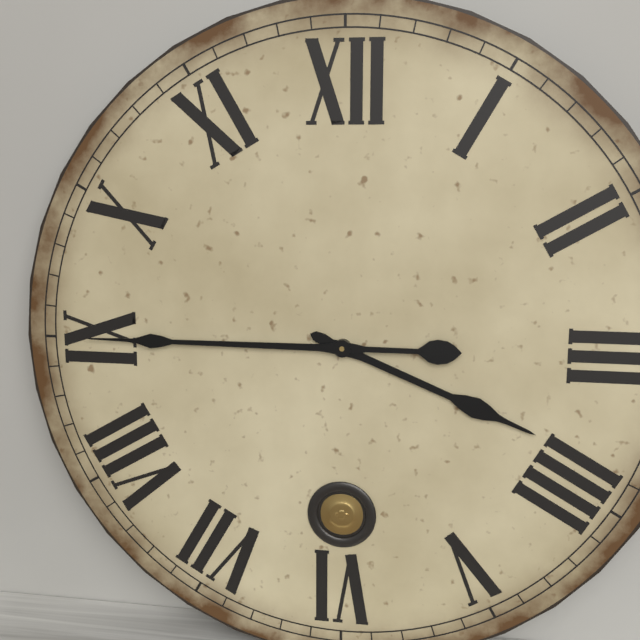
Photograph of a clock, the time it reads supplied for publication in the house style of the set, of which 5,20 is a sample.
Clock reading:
3,45
